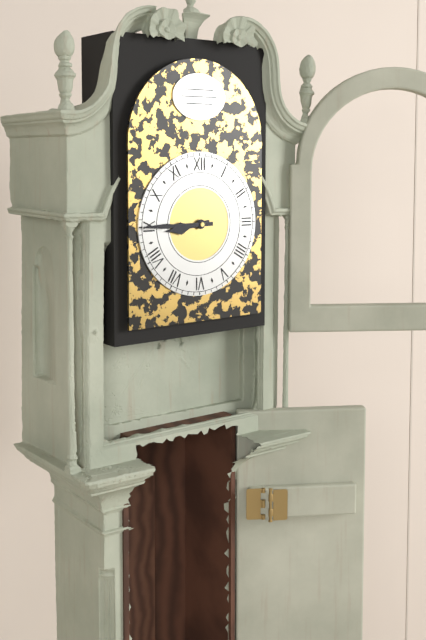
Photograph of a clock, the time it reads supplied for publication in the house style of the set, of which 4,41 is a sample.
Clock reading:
8,45
